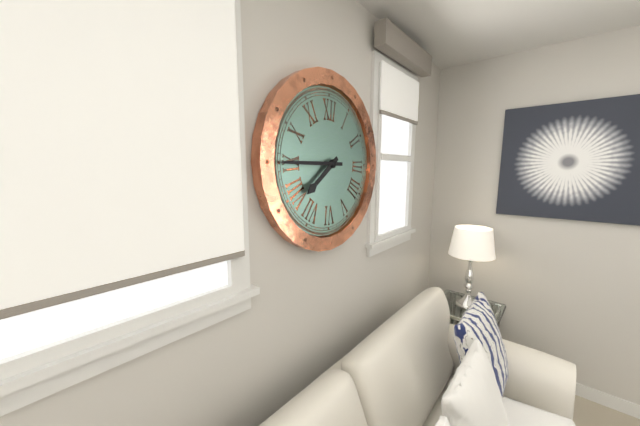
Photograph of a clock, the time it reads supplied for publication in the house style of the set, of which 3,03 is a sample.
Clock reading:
7,45
